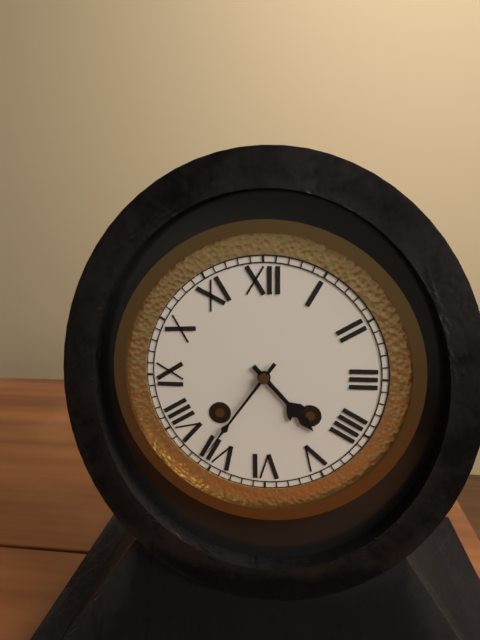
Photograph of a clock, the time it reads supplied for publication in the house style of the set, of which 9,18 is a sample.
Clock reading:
4,36
